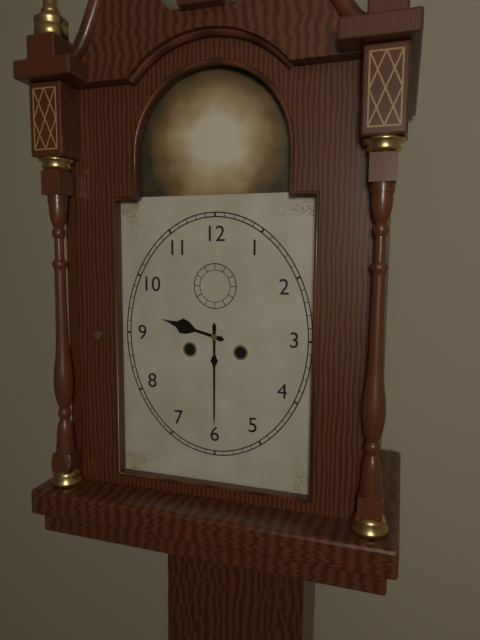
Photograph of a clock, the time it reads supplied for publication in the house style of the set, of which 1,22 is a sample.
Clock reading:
9,30
